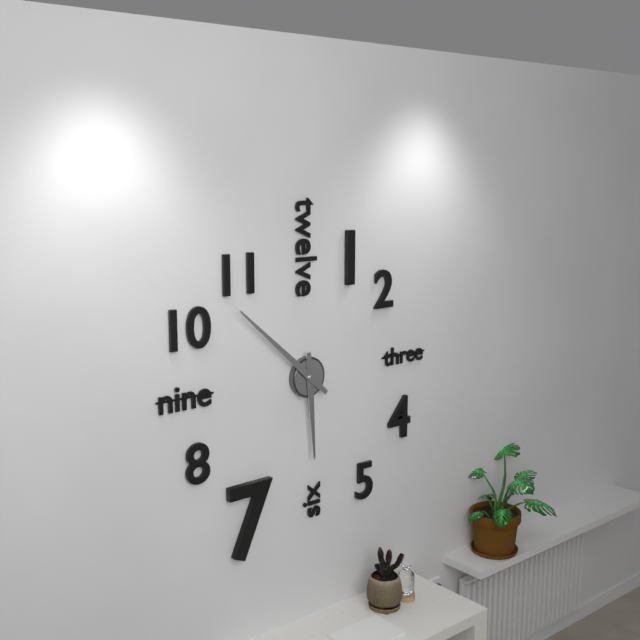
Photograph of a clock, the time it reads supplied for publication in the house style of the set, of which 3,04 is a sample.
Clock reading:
5,52
